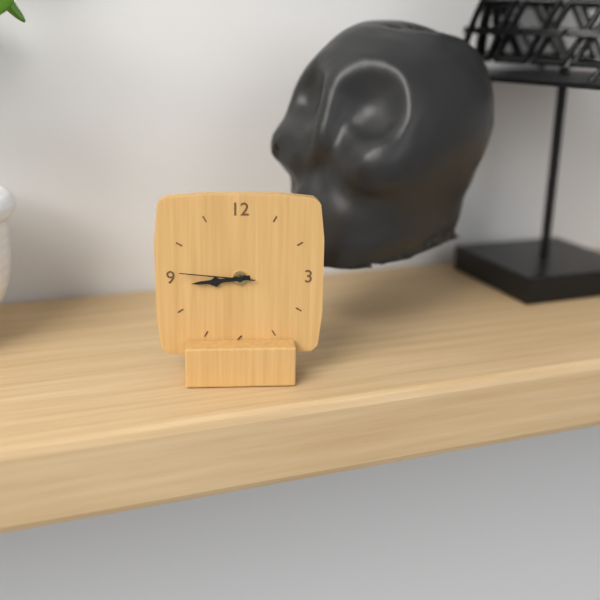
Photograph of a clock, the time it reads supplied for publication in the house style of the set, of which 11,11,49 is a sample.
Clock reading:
8,44,46
